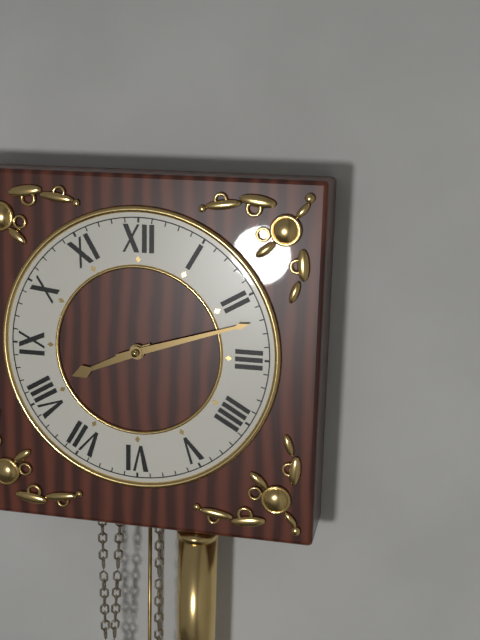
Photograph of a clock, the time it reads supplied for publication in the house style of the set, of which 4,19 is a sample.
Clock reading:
8,12
